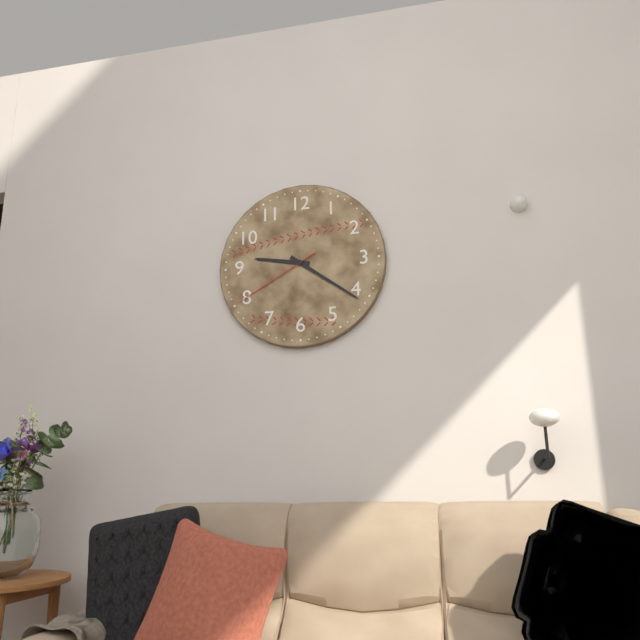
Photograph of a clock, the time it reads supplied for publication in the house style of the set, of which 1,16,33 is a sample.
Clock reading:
9,21,40
